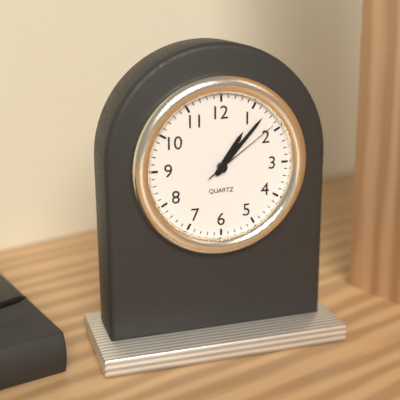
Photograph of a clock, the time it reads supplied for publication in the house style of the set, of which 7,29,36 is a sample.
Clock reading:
1,07,09
